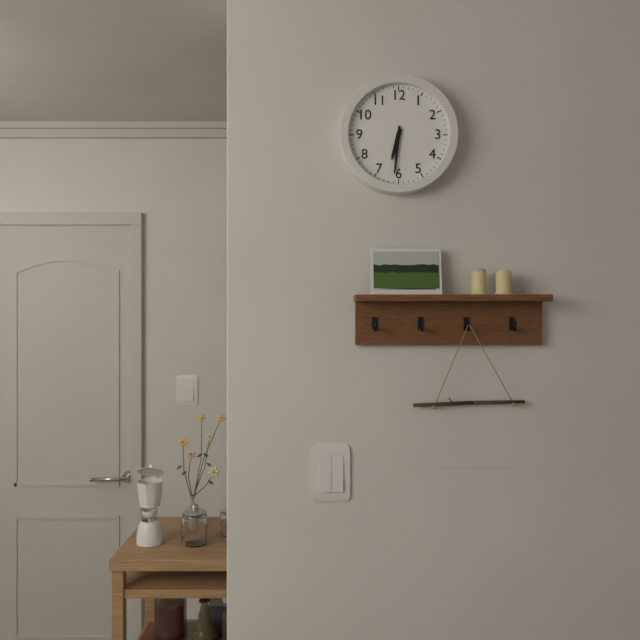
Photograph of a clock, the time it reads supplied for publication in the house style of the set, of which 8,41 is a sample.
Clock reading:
6,31
